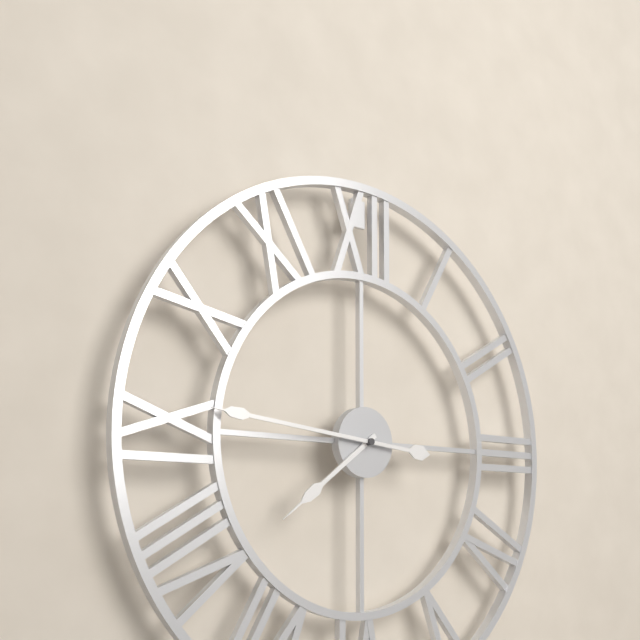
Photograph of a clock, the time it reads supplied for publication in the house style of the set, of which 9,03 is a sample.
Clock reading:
7,46
